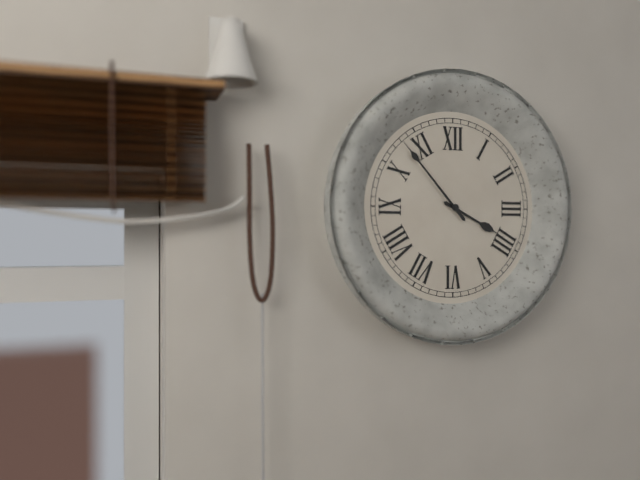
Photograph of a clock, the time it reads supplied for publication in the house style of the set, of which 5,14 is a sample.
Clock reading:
3,53
